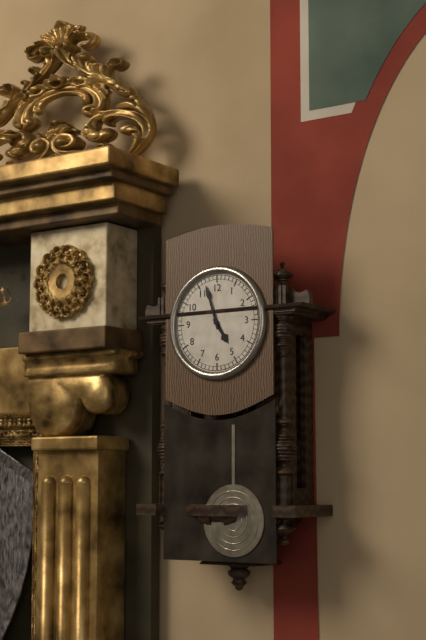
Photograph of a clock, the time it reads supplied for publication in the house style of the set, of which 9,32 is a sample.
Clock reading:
4,57
